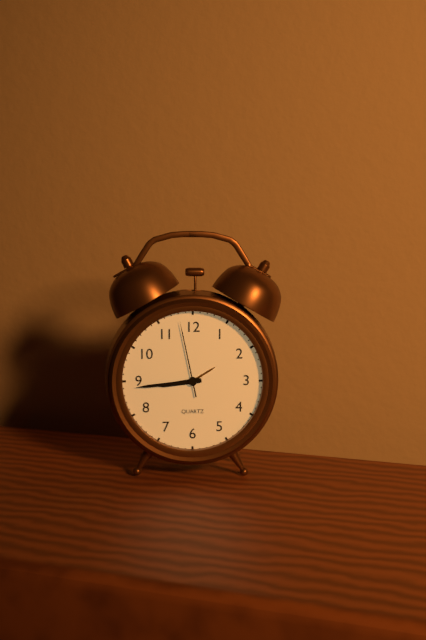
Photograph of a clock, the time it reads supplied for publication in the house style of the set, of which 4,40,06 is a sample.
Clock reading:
8,44,58
